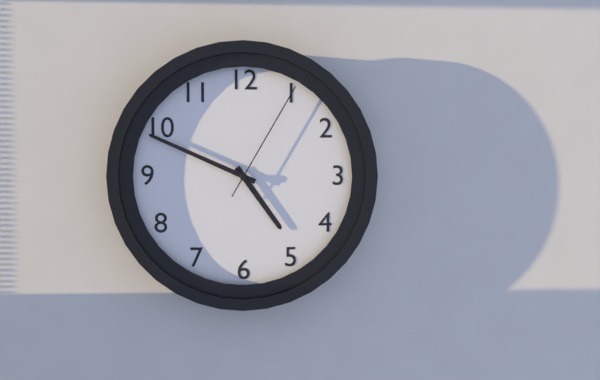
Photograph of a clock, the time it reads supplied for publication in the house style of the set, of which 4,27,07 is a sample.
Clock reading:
4,49,05
